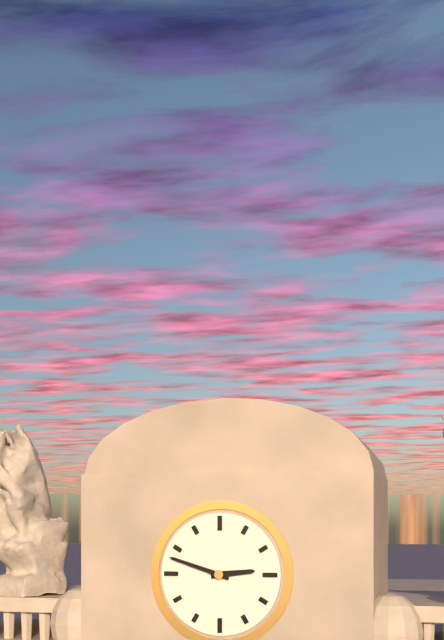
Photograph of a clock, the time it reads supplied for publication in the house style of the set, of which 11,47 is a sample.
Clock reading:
2,48
